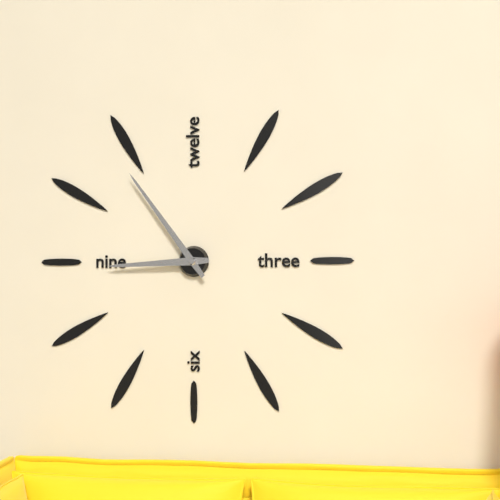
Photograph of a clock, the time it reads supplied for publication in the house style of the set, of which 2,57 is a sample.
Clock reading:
8,54
